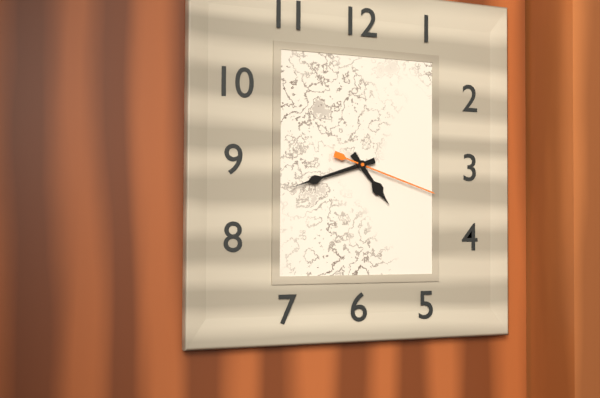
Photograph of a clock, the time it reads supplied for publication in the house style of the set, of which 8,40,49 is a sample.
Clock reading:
4,42,18
